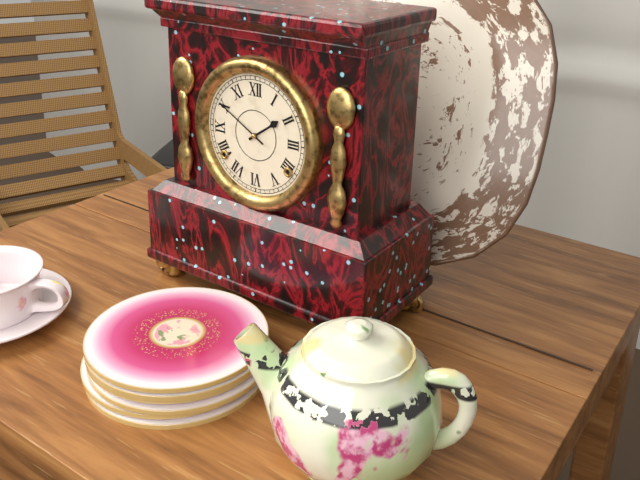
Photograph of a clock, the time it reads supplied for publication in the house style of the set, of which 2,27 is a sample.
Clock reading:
1,50
